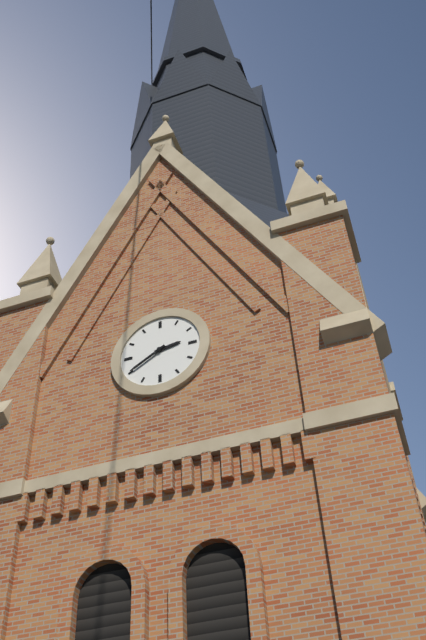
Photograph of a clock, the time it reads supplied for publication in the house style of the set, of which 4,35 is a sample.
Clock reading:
2,40
